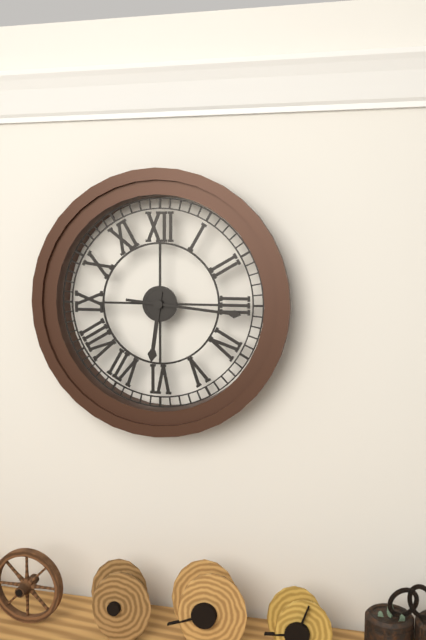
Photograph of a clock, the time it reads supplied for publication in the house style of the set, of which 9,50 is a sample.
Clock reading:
6,16
